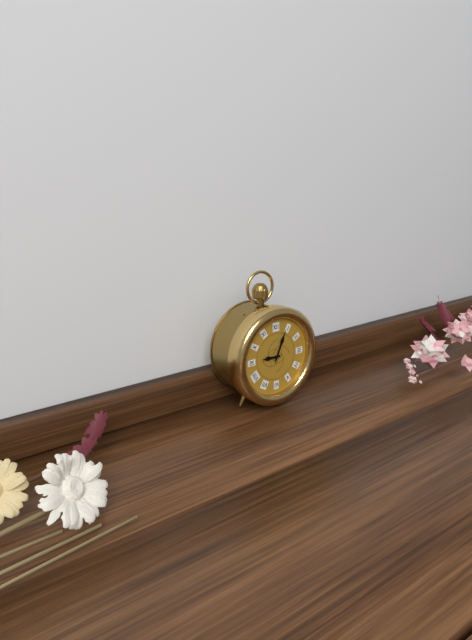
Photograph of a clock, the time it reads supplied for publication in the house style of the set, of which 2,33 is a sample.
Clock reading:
9,04
